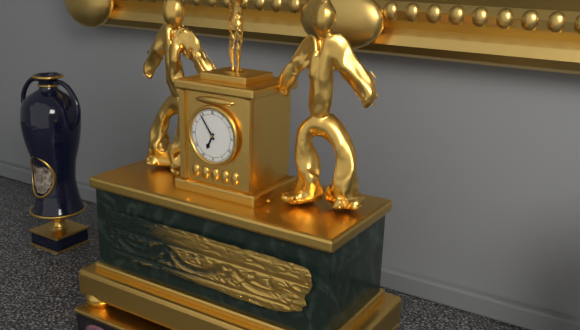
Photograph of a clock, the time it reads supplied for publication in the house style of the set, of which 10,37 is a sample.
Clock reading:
6,54
